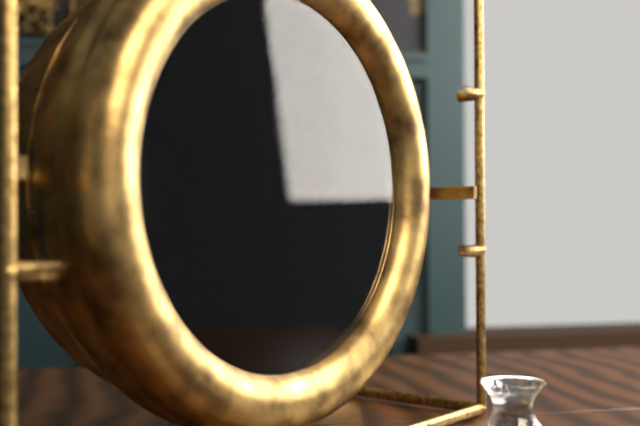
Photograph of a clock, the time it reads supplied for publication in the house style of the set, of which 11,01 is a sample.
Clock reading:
4,07
